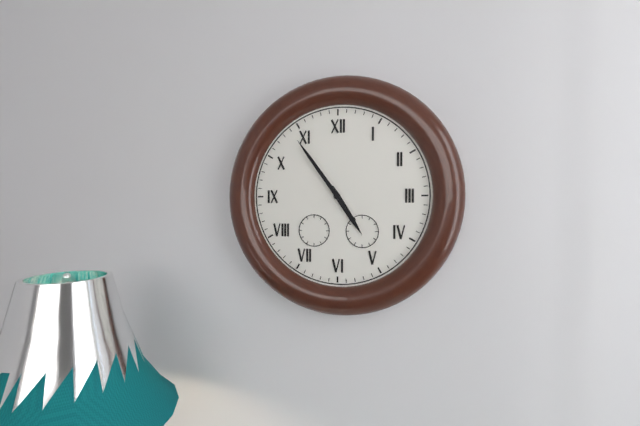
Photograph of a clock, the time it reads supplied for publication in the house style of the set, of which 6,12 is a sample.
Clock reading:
4,54
